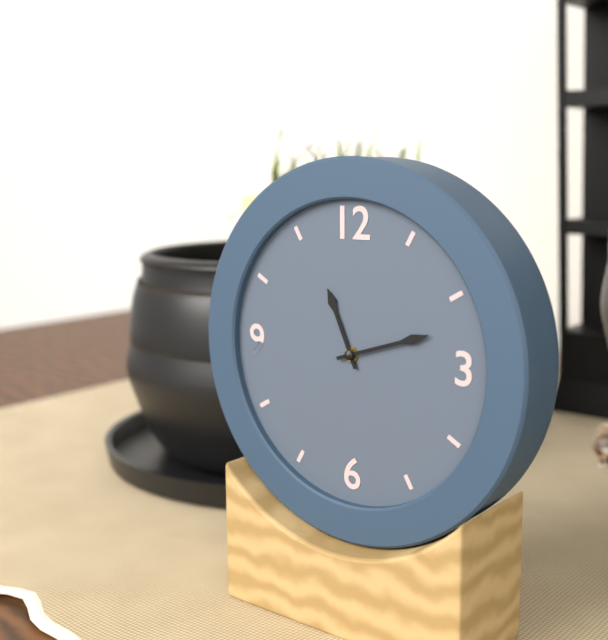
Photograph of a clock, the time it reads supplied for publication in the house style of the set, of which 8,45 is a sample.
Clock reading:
11,12
